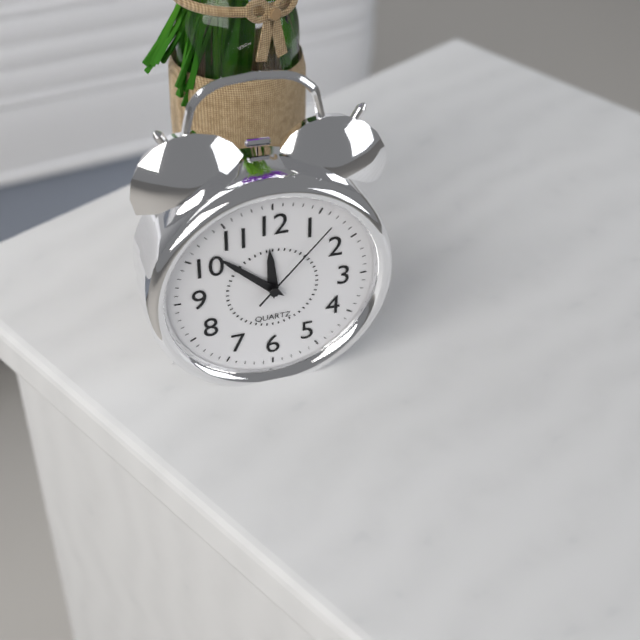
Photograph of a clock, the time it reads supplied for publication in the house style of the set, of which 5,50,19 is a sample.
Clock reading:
11,52,07
